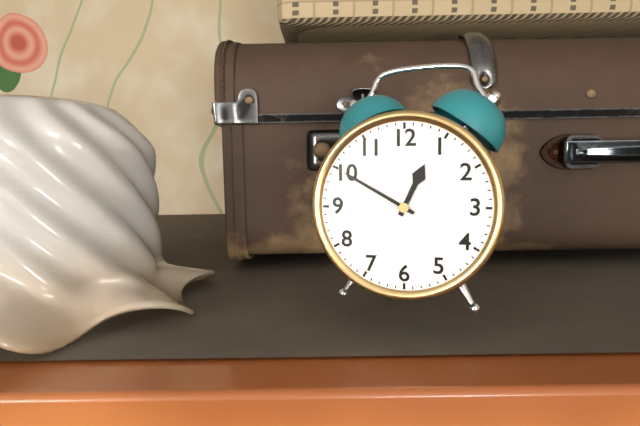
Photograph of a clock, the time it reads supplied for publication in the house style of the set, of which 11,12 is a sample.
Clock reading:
12,50
